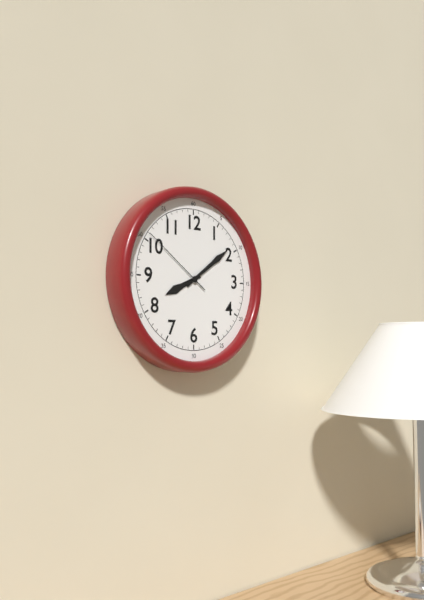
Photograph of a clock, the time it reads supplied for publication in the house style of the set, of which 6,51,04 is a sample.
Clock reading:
8,09,51
